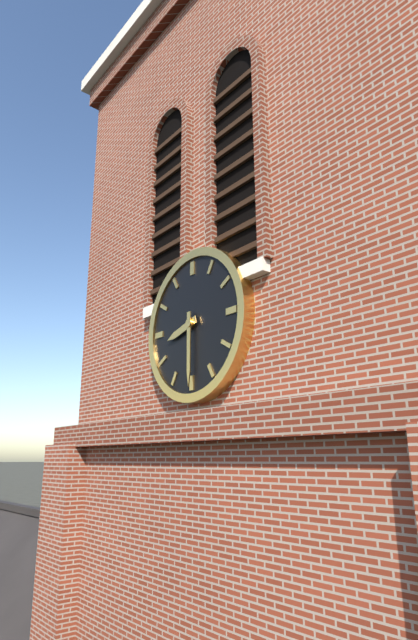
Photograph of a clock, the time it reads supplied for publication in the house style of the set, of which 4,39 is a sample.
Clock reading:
8,30
